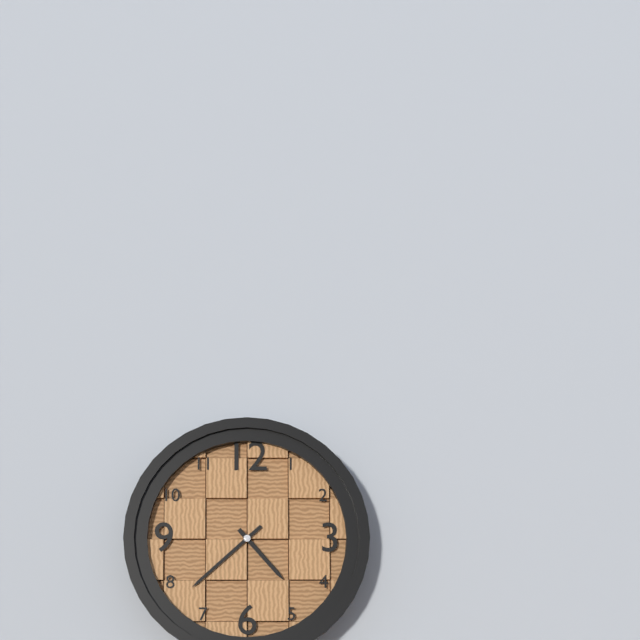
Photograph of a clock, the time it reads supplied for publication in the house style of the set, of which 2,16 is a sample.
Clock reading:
4,38
